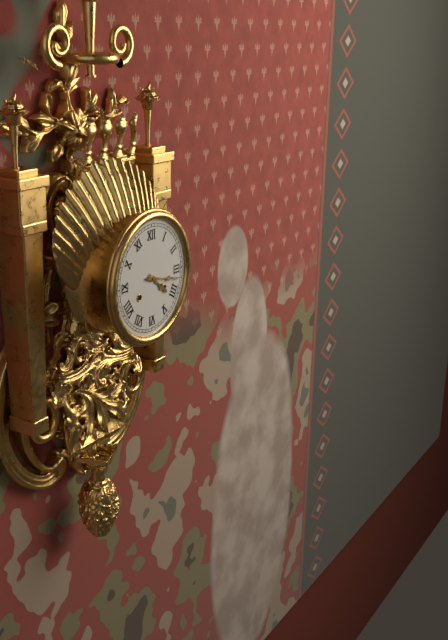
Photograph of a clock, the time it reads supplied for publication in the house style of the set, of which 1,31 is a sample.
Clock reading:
4,17
